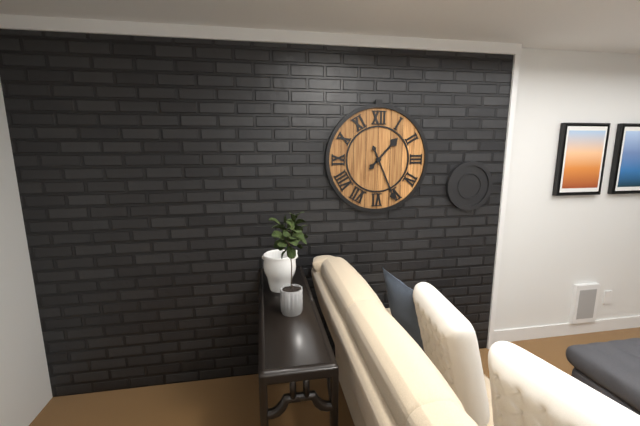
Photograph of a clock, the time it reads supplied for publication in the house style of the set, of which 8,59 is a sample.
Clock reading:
1,26
